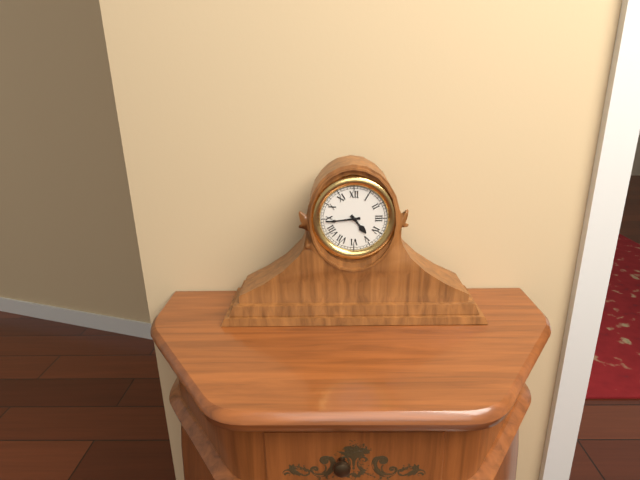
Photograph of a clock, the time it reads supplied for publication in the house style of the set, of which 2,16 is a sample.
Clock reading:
4,44
